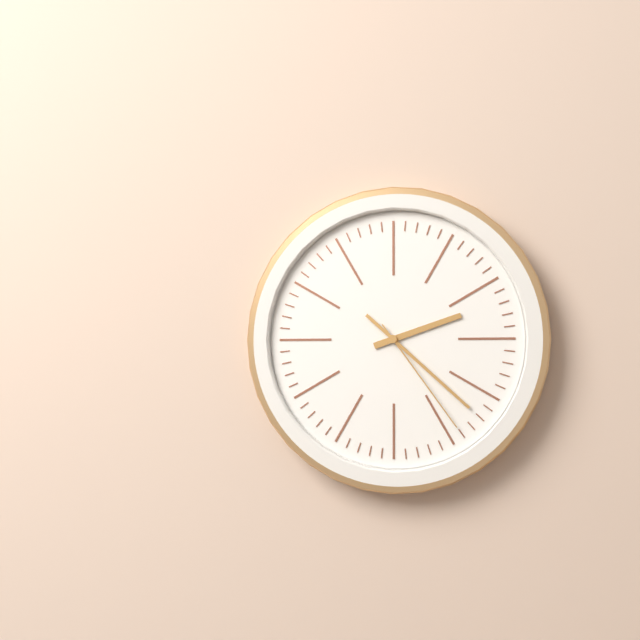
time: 2:22:24
